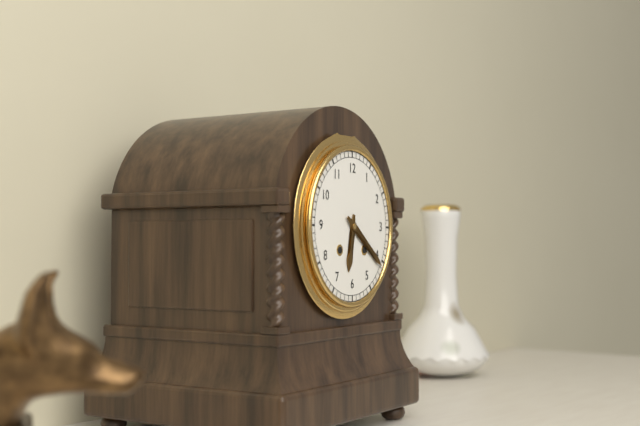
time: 6:21
